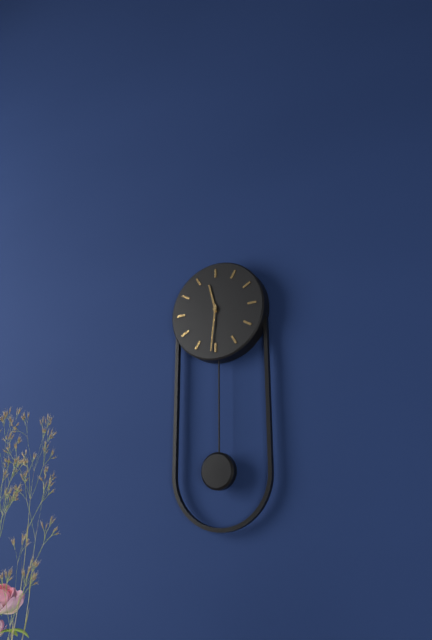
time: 11:31
